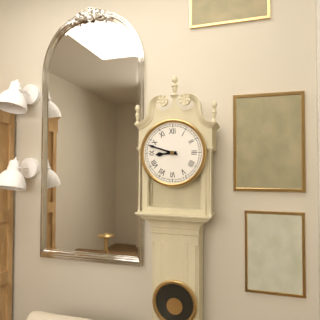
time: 8:48
